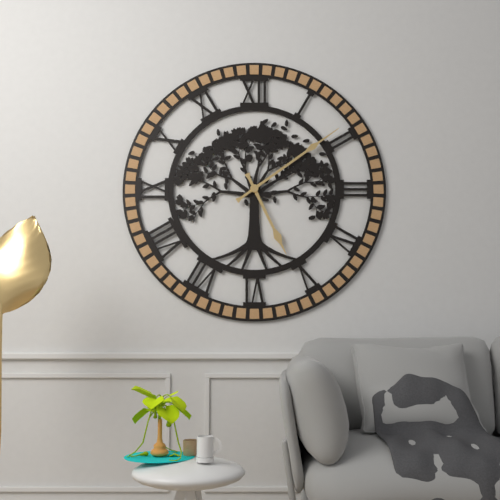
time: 5:09
